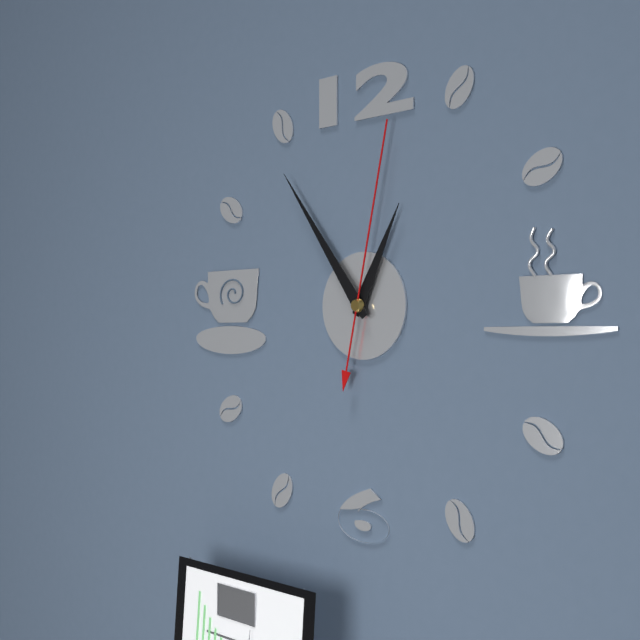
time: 12:54:02
